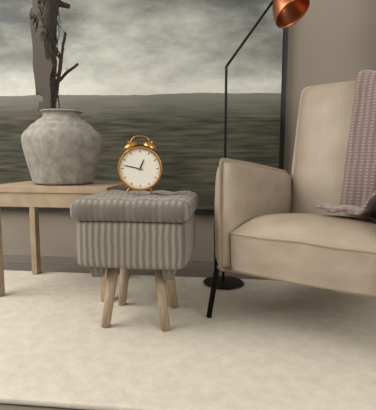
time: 12:47
